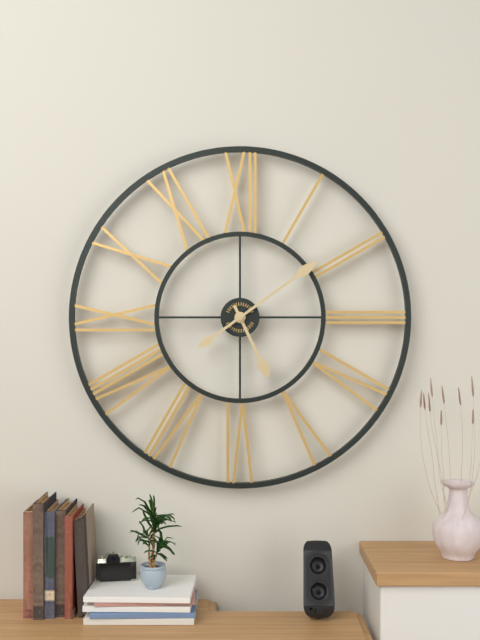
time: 5:09
